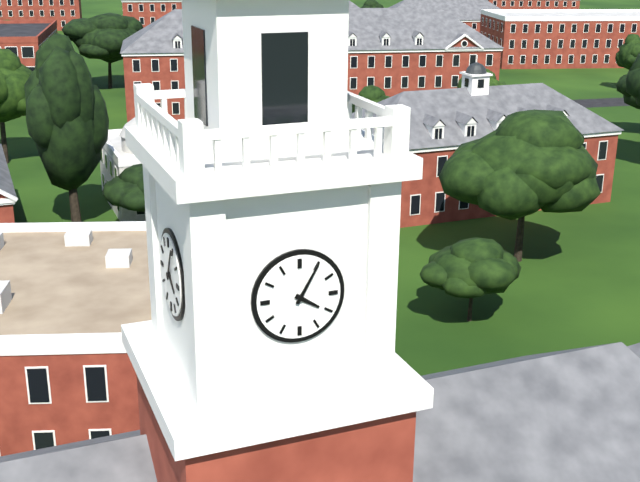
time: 4:05
